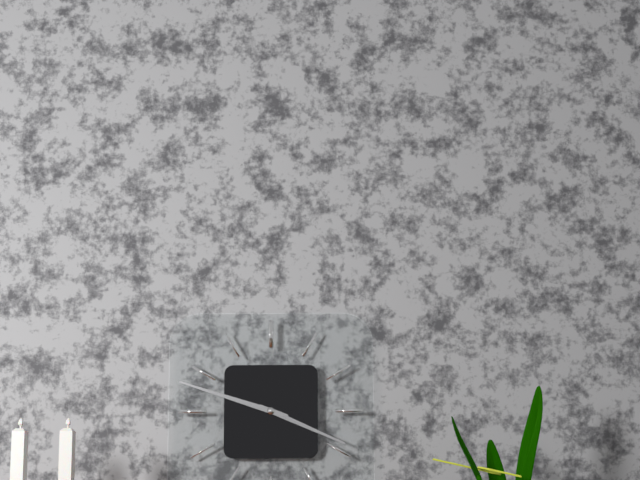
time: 3:48
